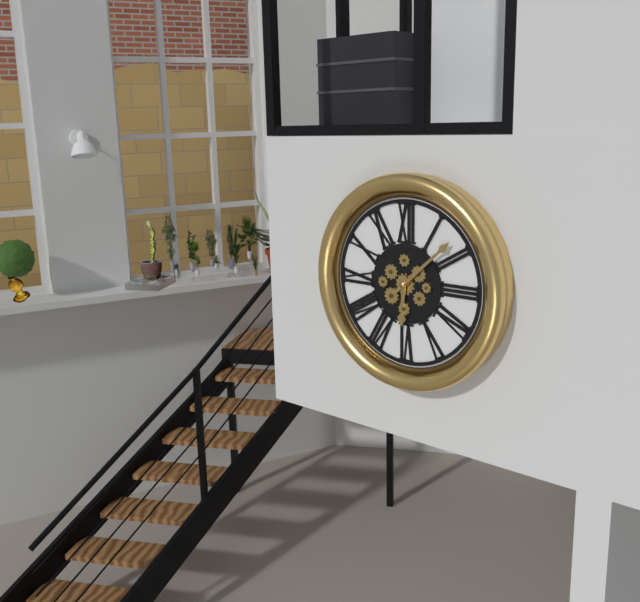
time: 6:08
